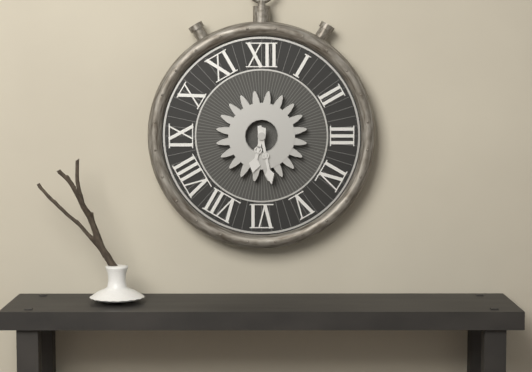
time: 6:28
